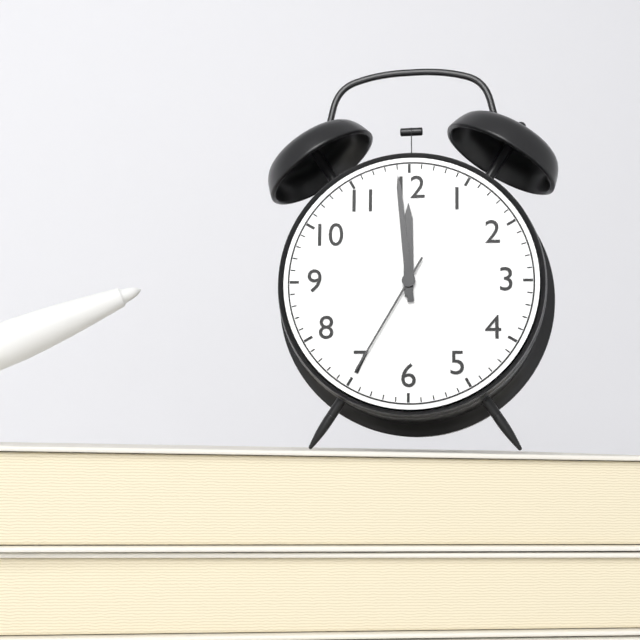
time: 11:59:35
